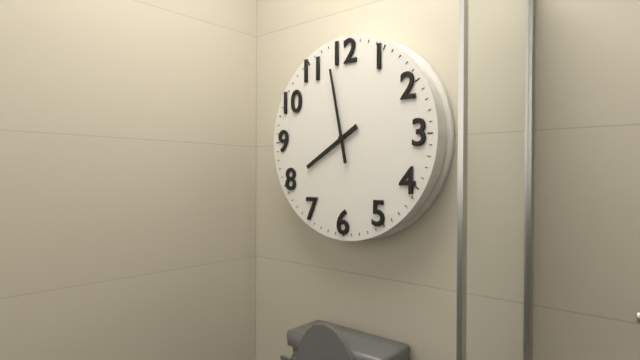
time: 7:58
